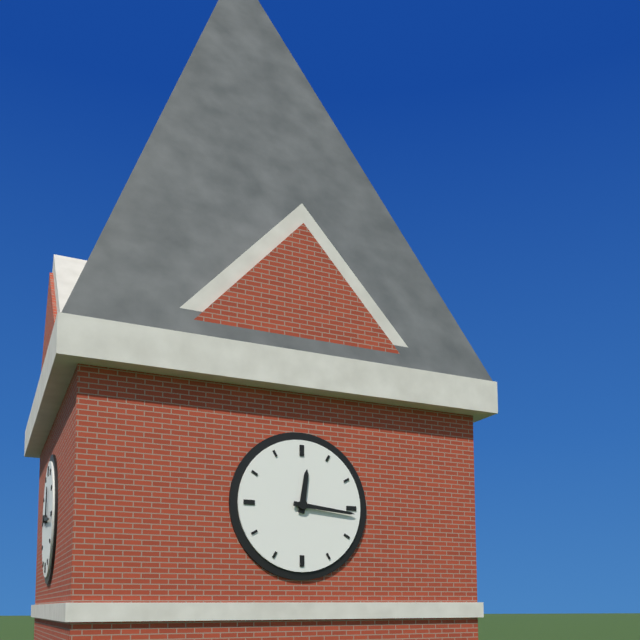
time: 12:16
